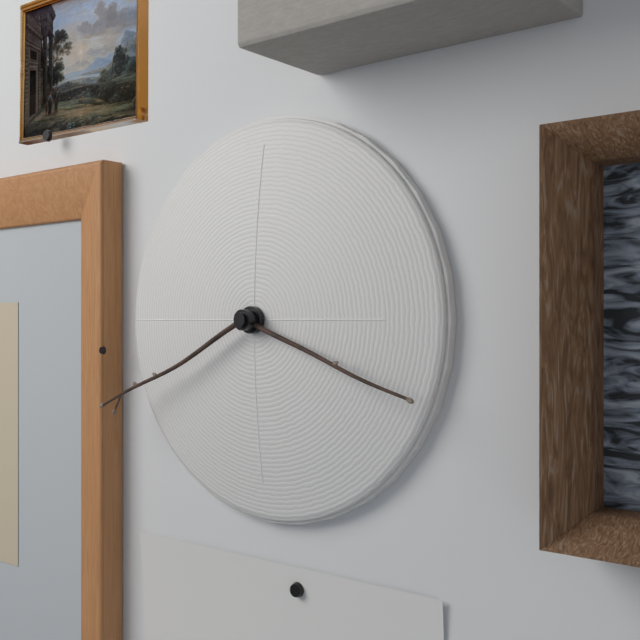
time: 3:41
